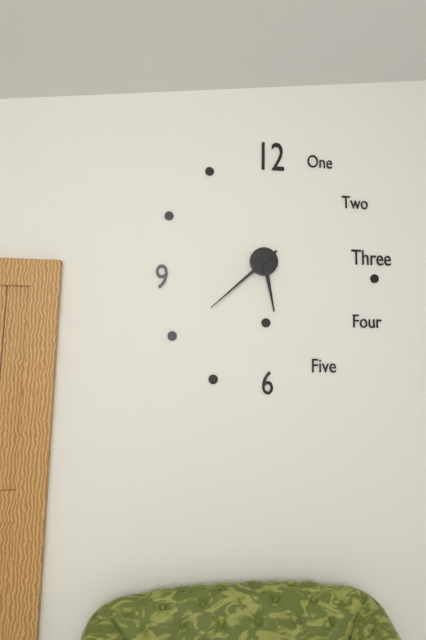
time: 5:38
